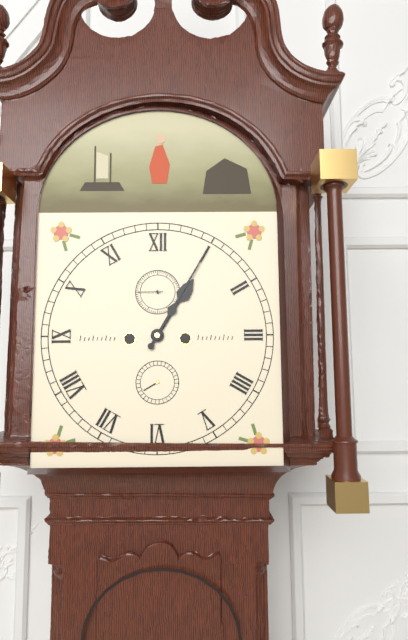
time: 1:05
